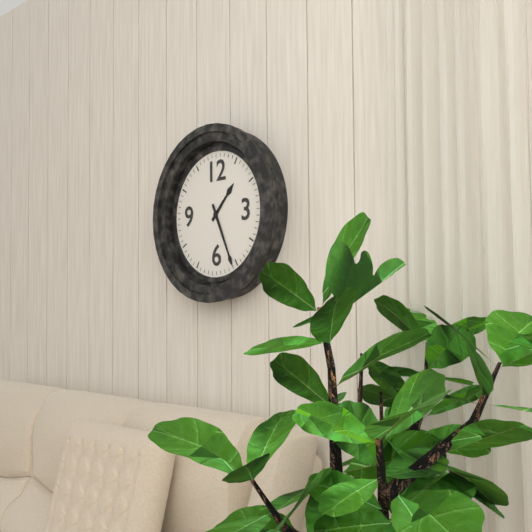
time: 1:26
